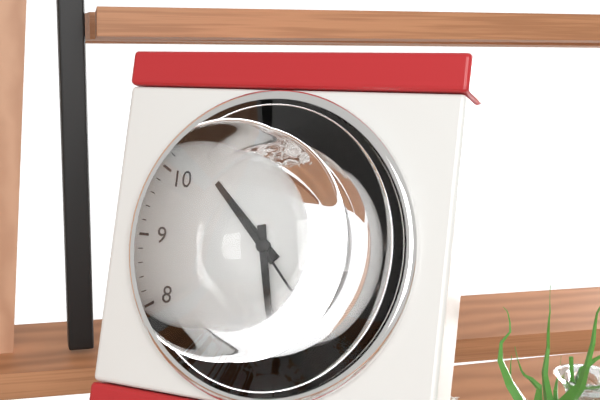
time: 10:28:23
